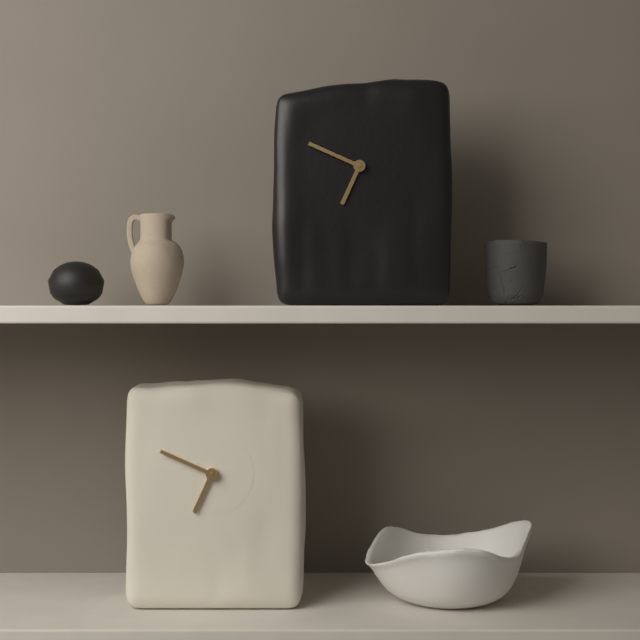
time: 6:49
